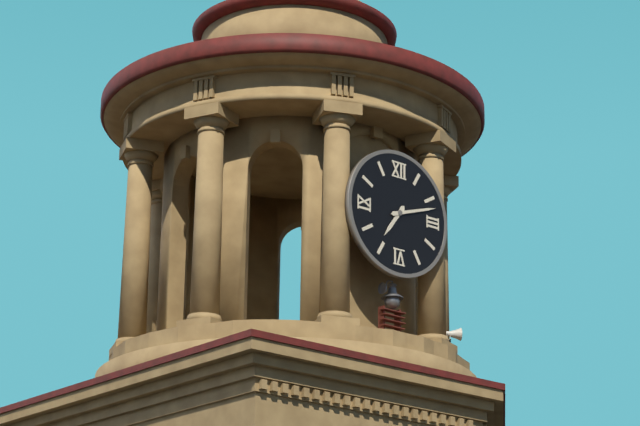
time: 7:12
